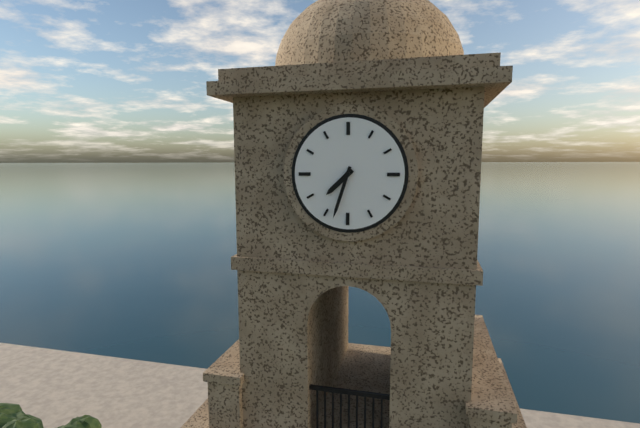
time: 7:33
